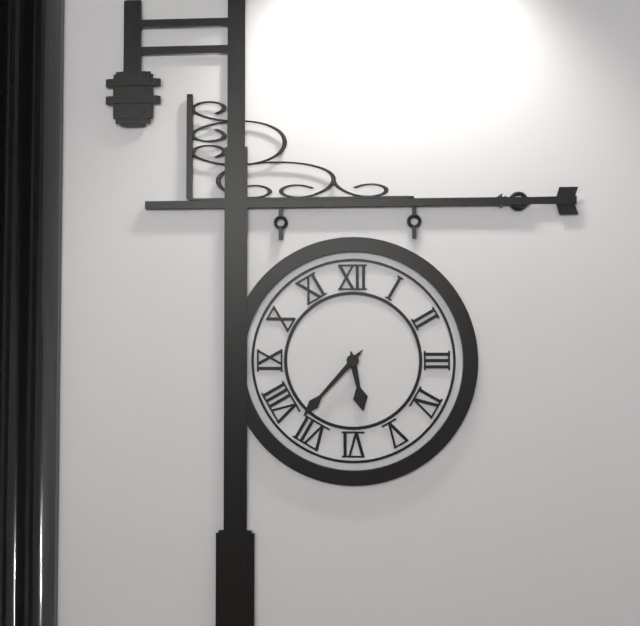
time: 5:37
